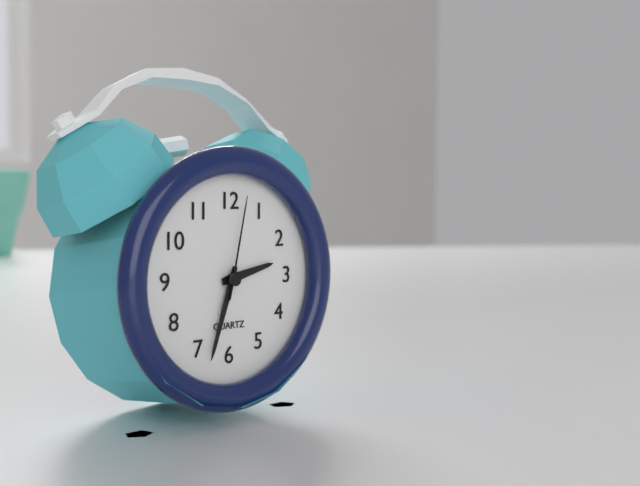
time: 2:33:02
